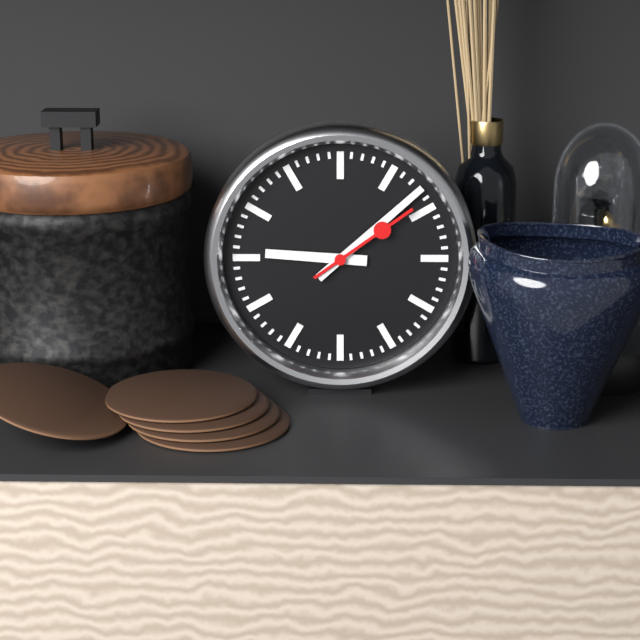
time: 9:08:09
